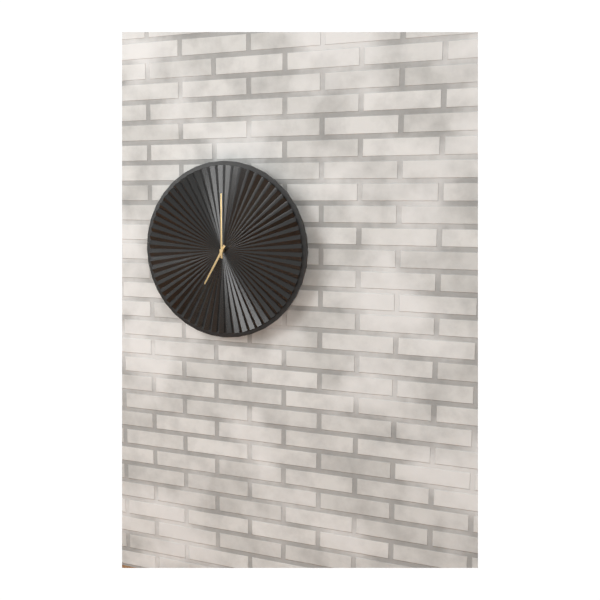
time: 7:00
